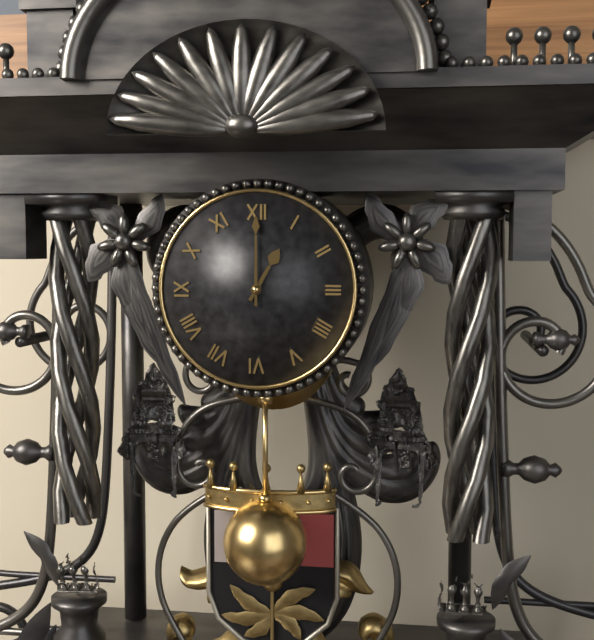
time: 1:00
